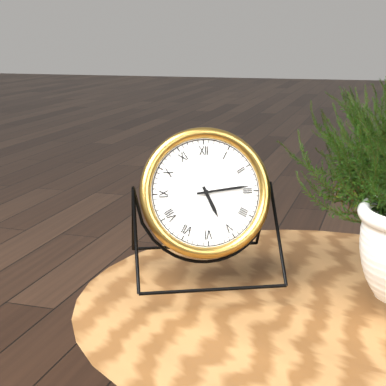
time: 5:14
